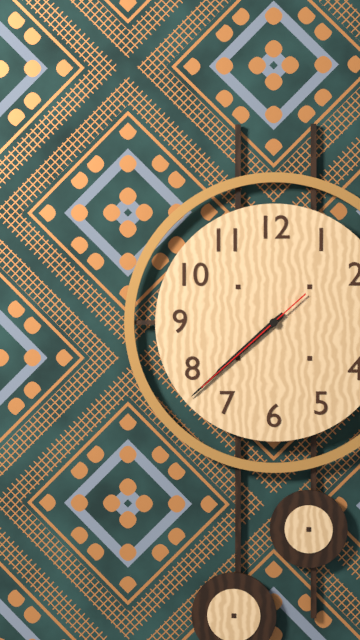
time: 7:38:38
